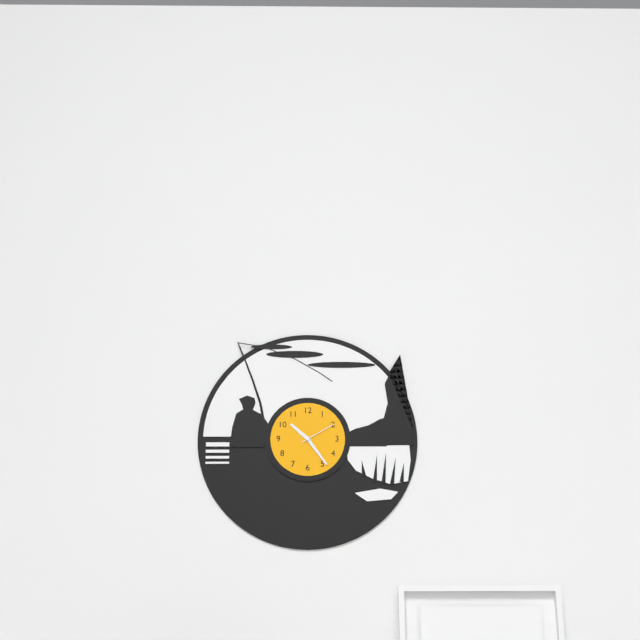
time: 10:24
